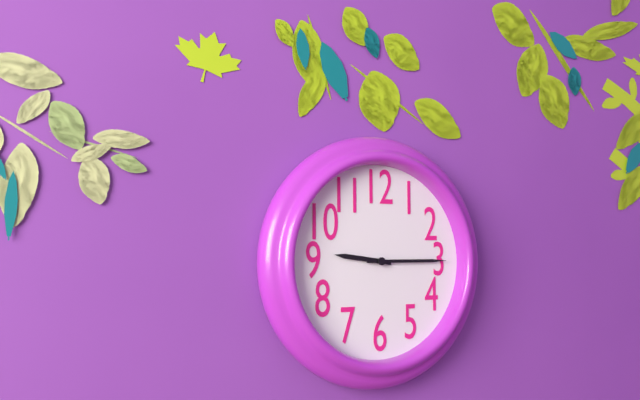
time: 9:15
